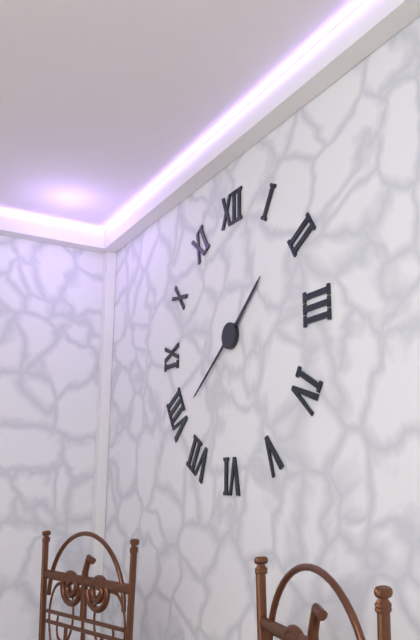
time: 1:39
